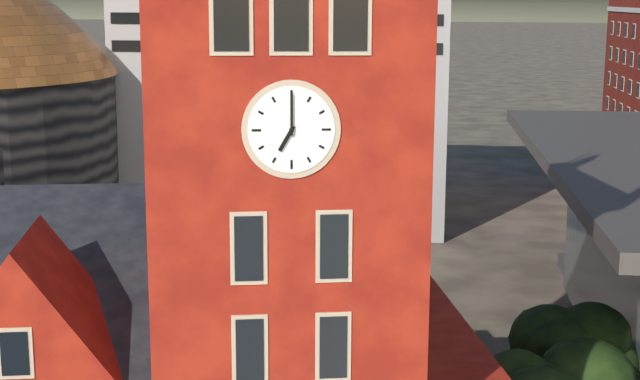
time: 7:00
